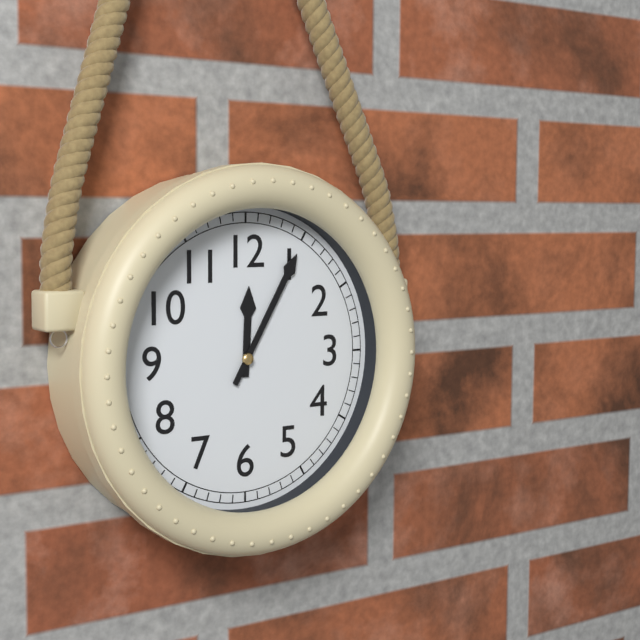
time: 12:05
